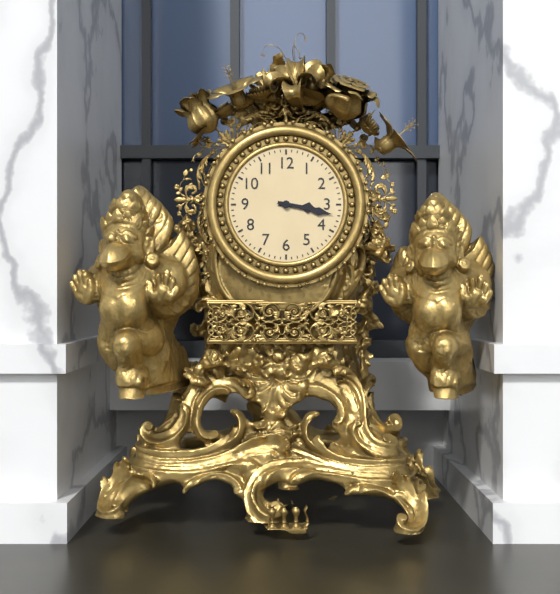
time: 3:17
